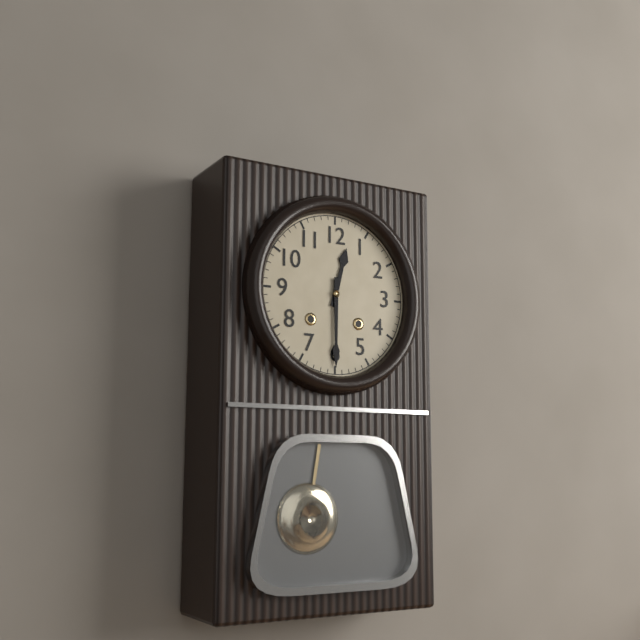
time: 12:30
